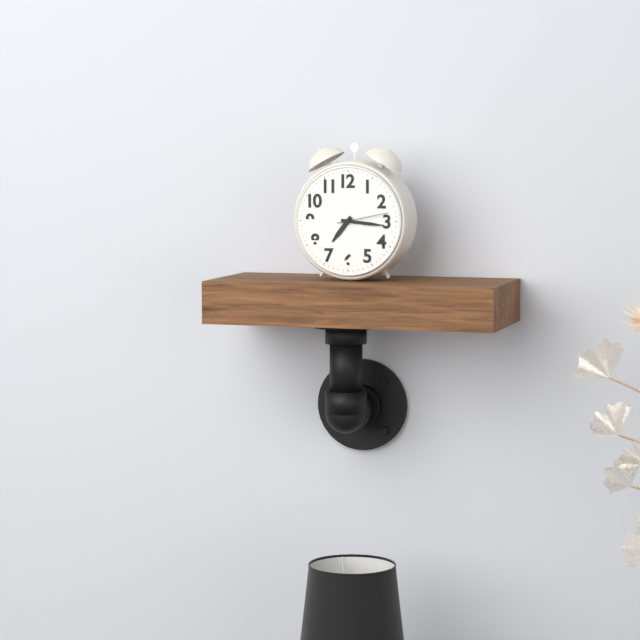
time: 7:16:13
